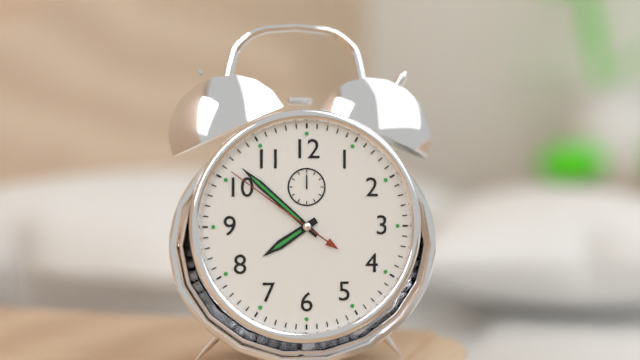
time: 7:52:51
